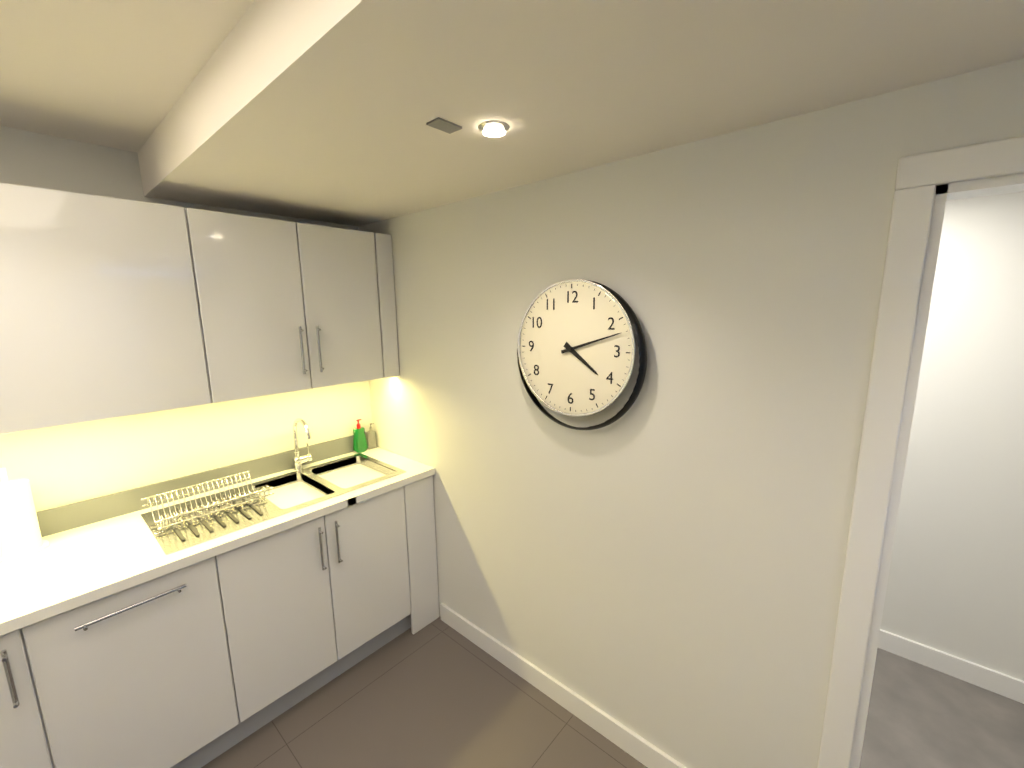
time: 4:12
